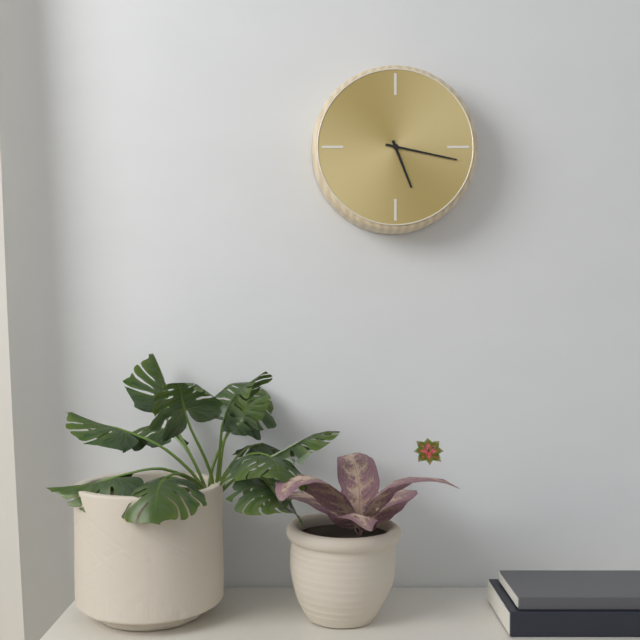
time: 5:17
